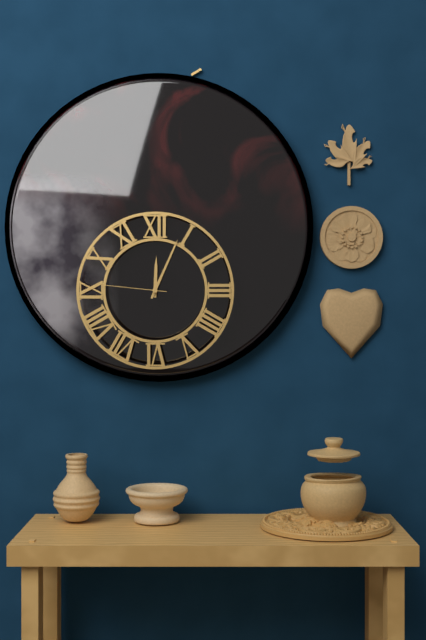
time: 12:04:46
